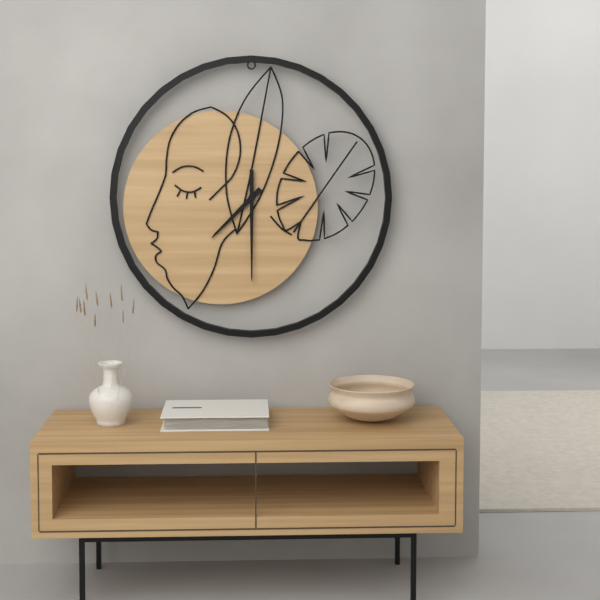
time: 7:30
